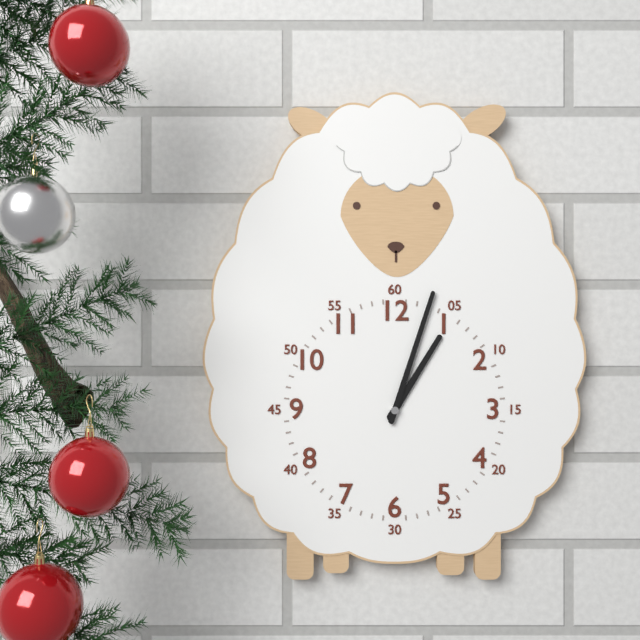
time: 1:03
